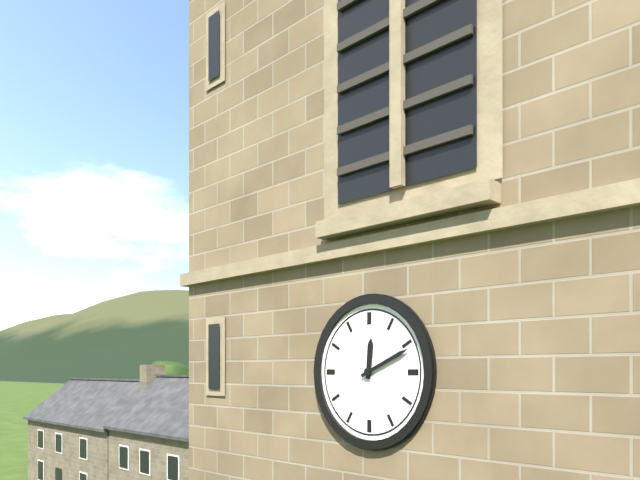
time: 12:11
